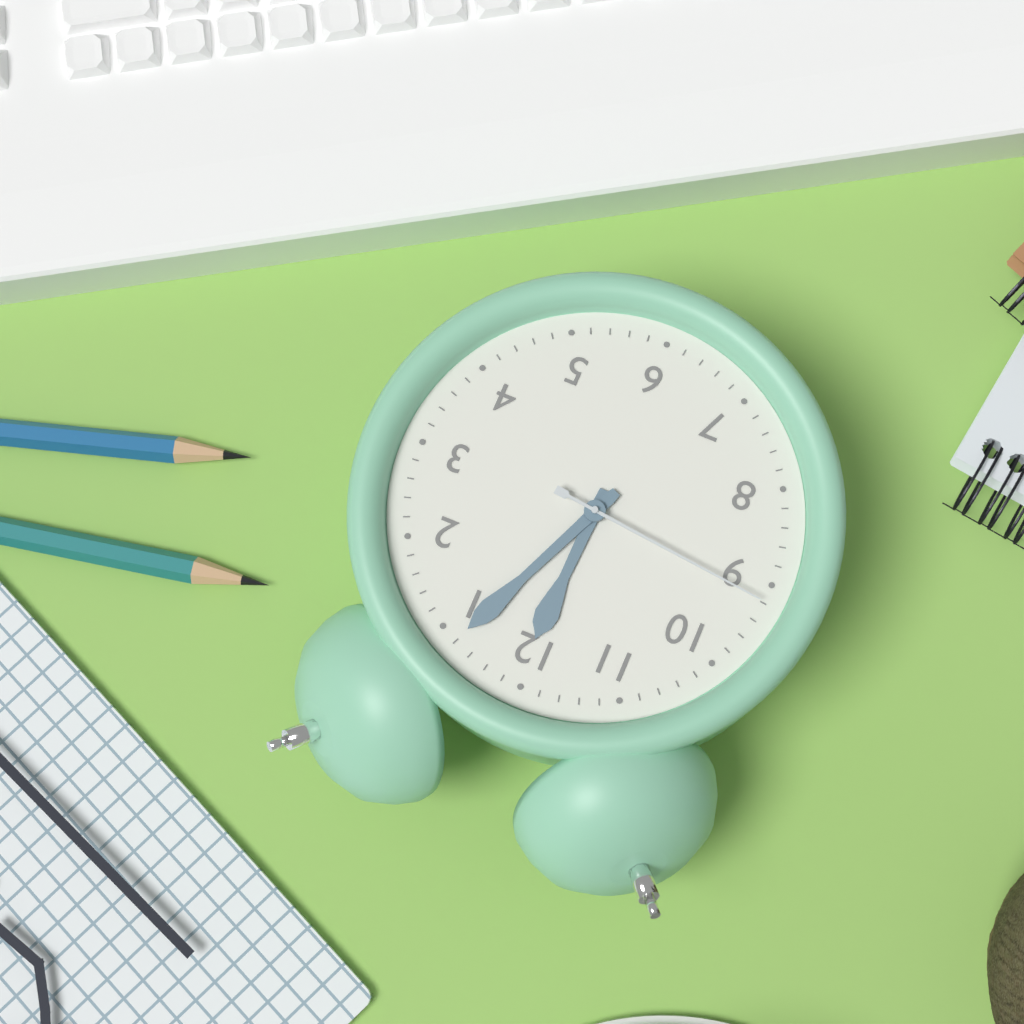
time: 12:04:46
